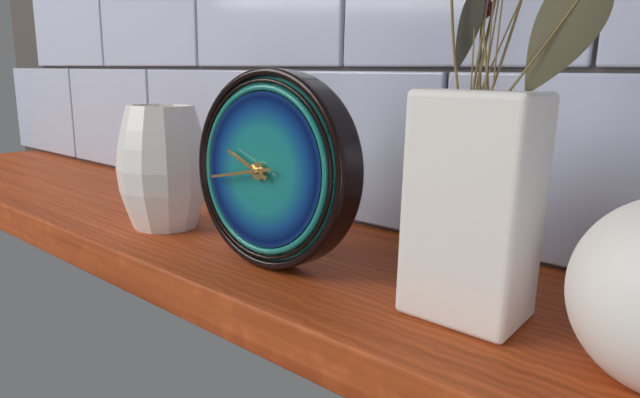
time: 9:43
